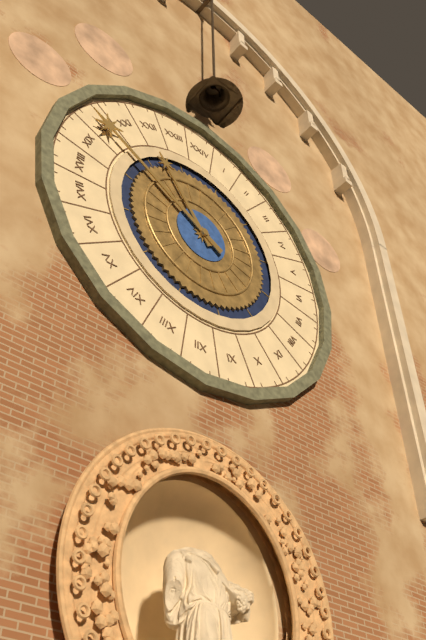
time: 10:50
